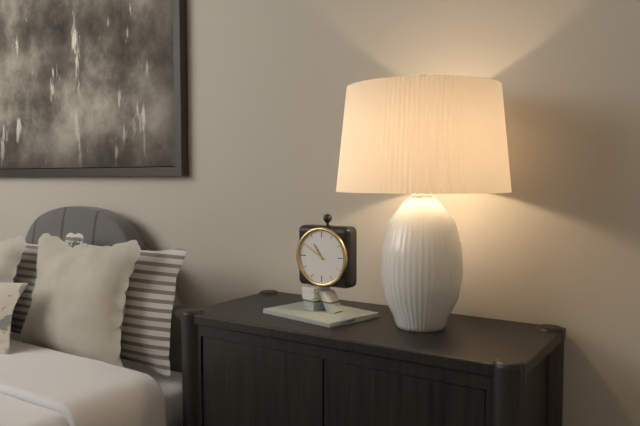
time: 10:50
